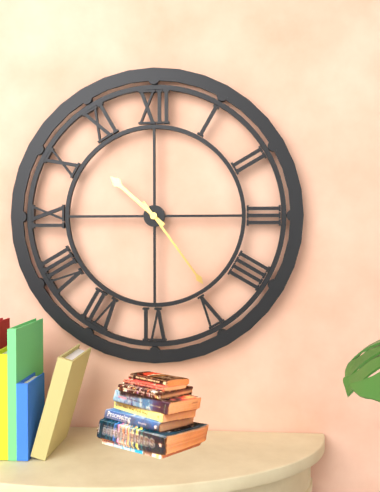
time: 10:24
